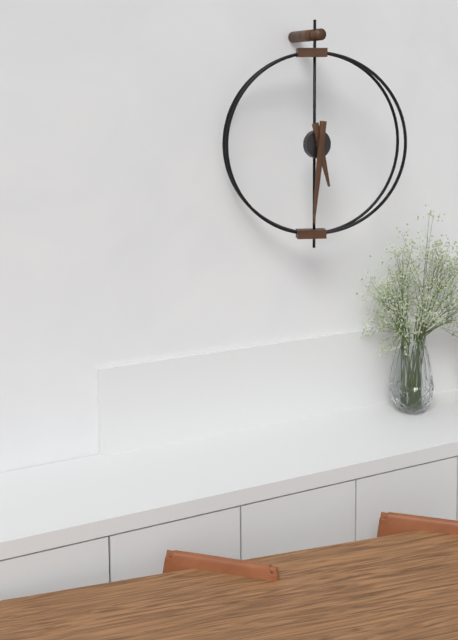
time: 5:31
